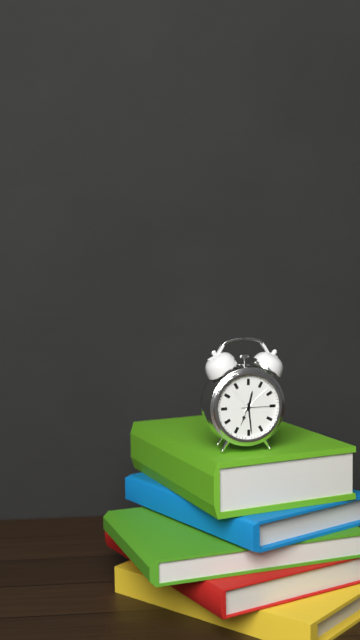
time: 12:29
